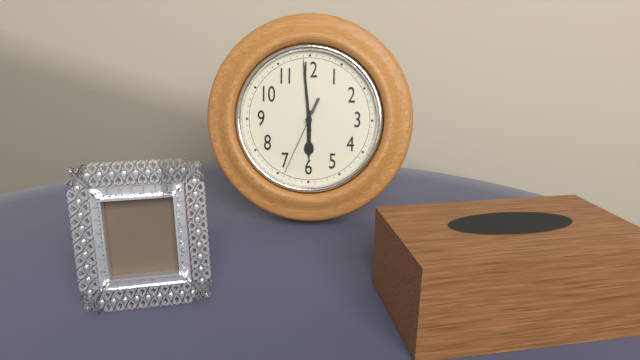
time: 5:59:34
